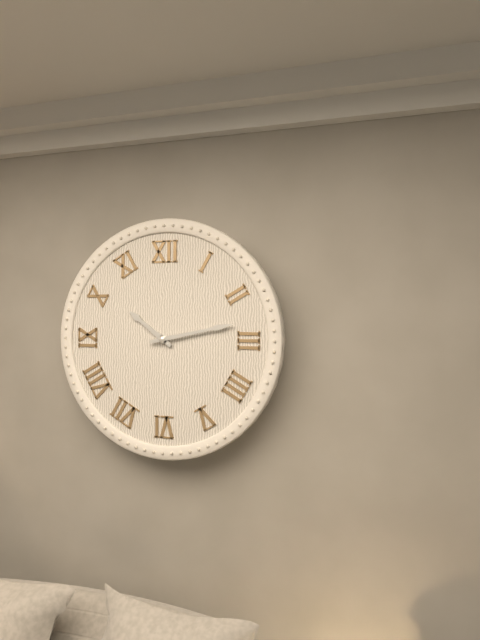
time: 10:13
